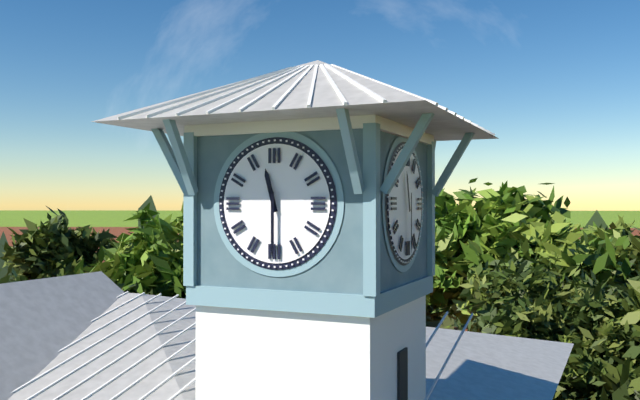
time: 11:30
